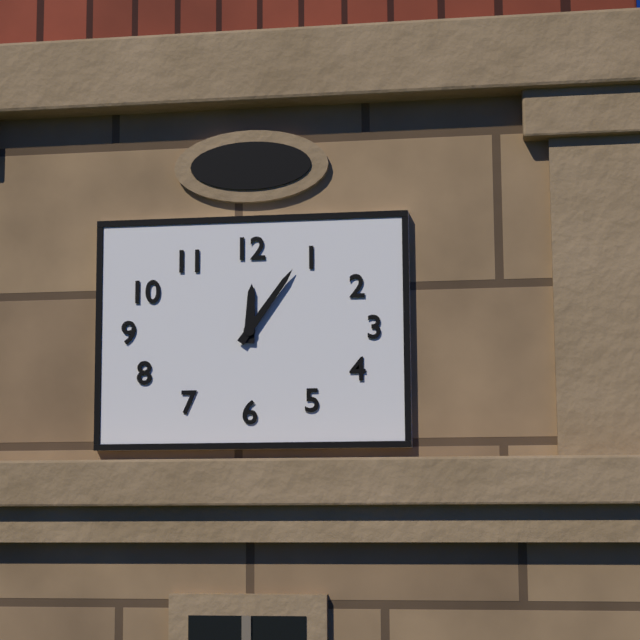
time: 12:06
